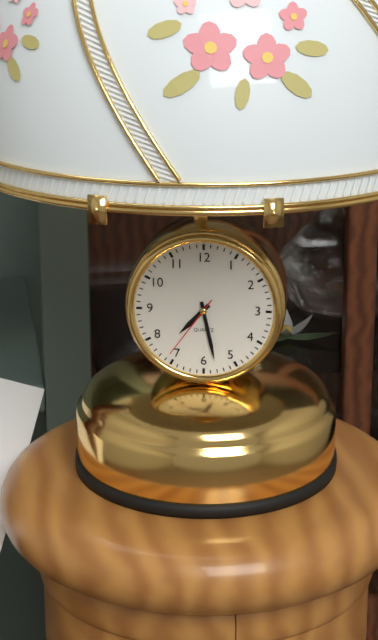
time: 7:28:36
